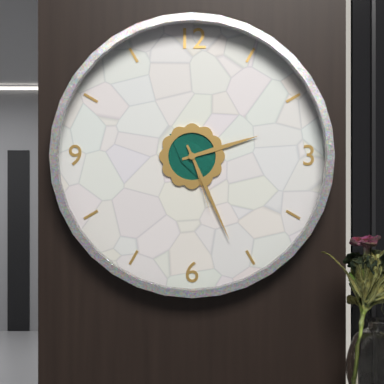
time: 2:26:27
